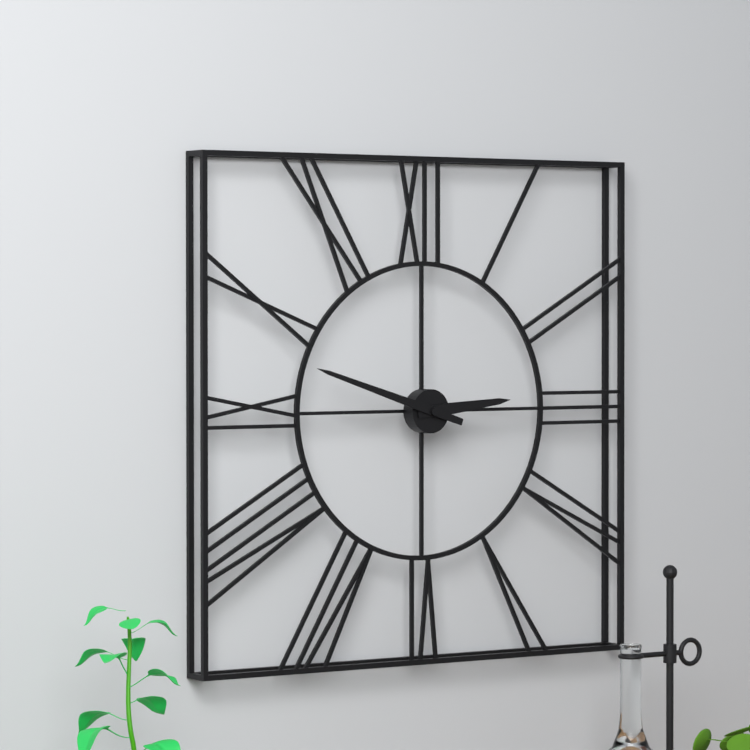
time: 2:48
